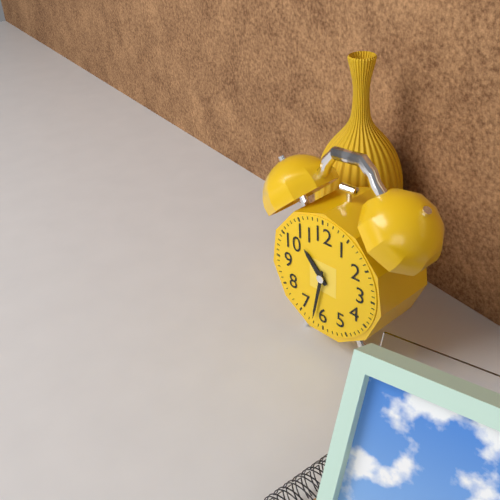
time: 10:32
